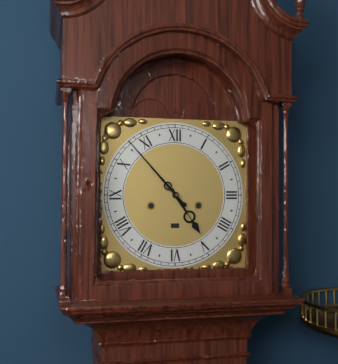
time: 4:53
